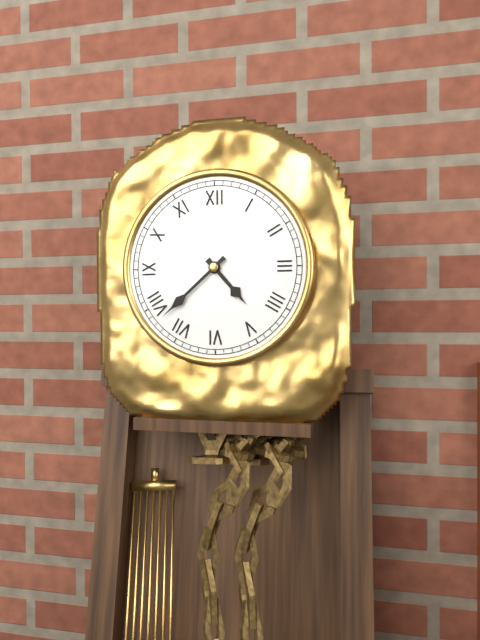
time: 4:38
